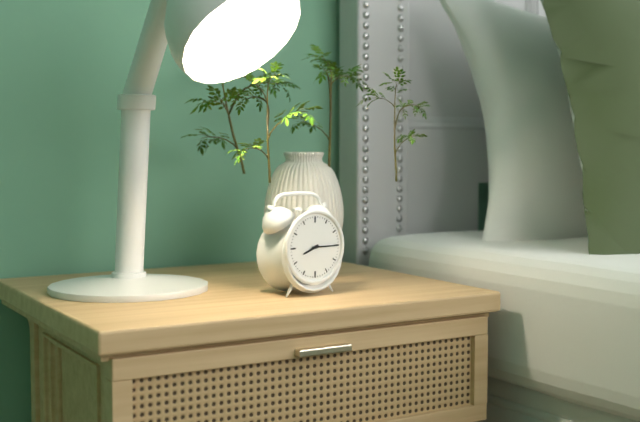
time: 8:15
